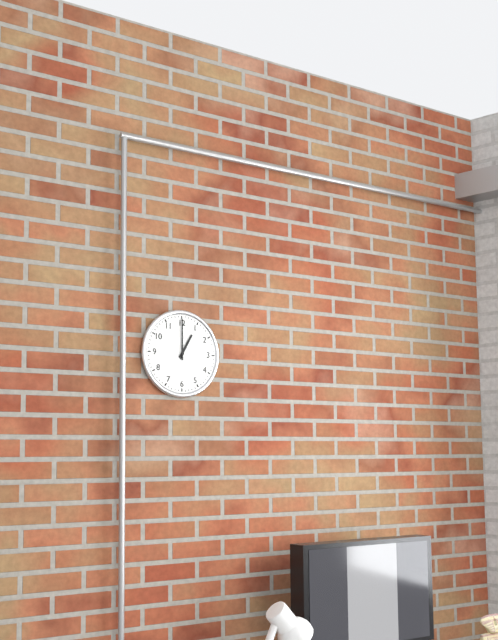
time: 1:00
